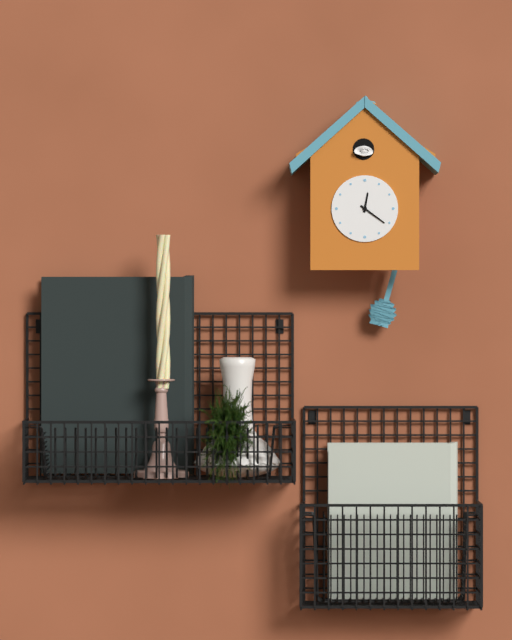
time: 12:21
